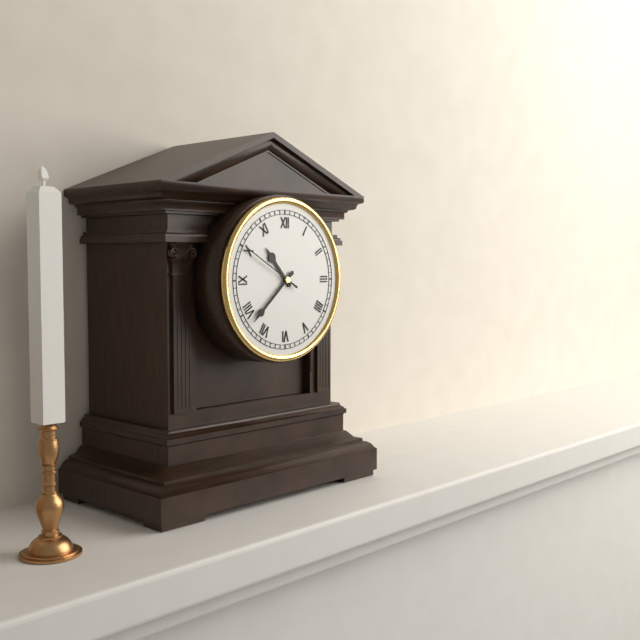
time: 10:38:50
